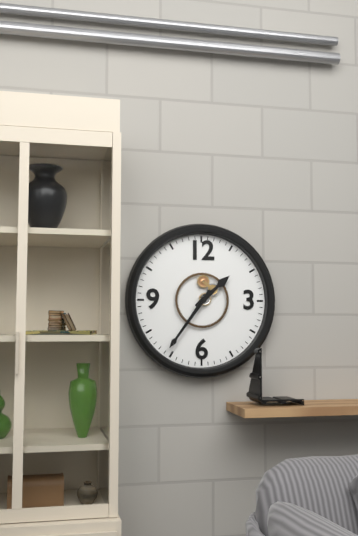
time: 1:36
